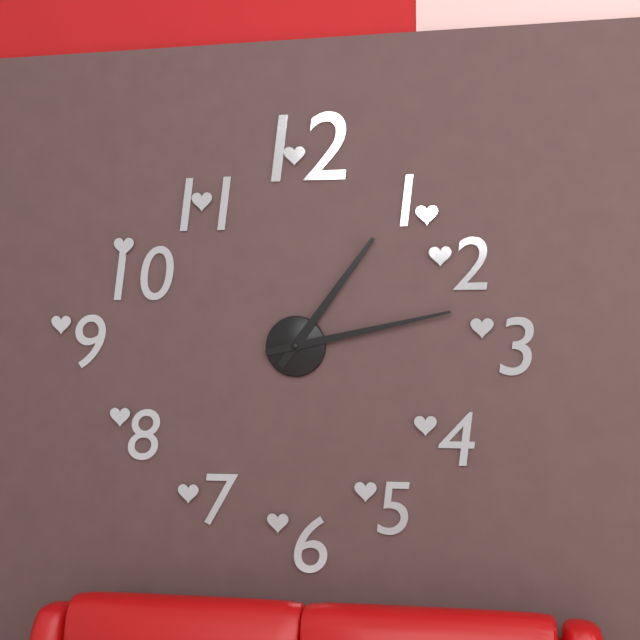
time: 1:13
